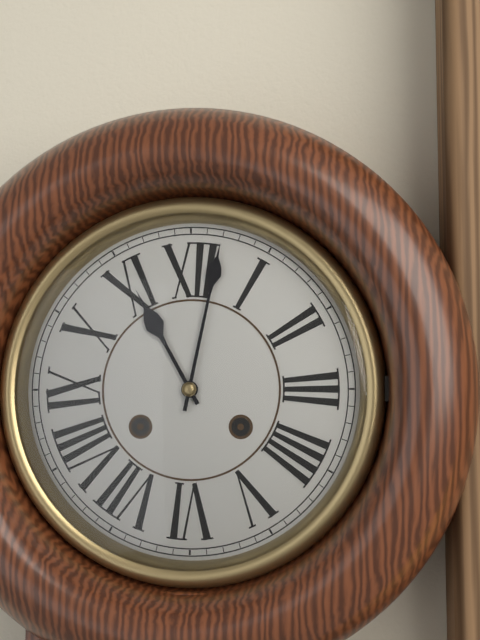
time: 11:02
